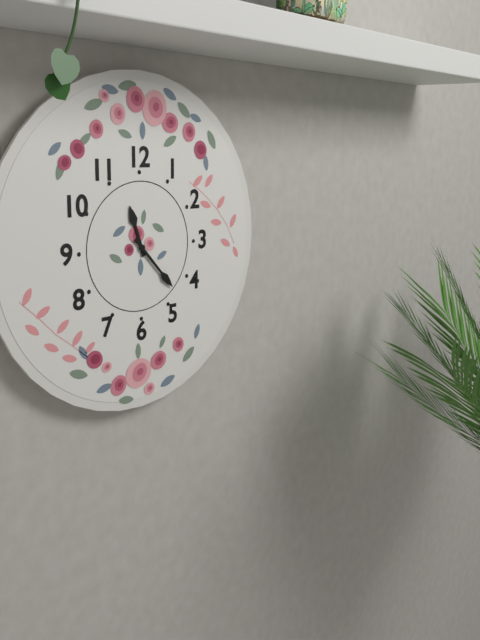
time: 11:23
